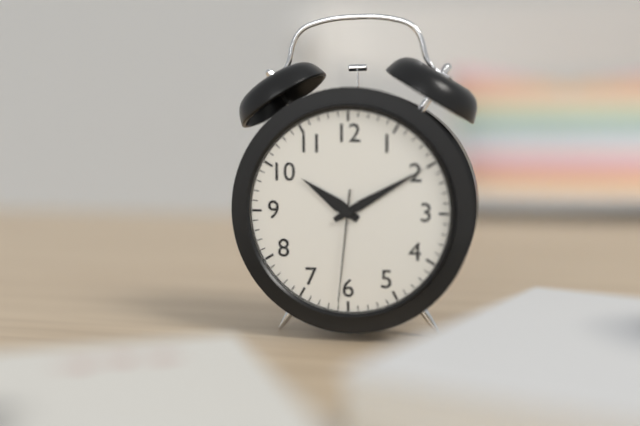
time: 10:10:31
